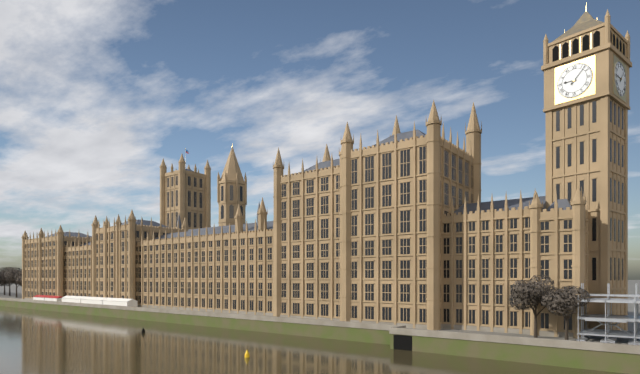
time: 9:07
